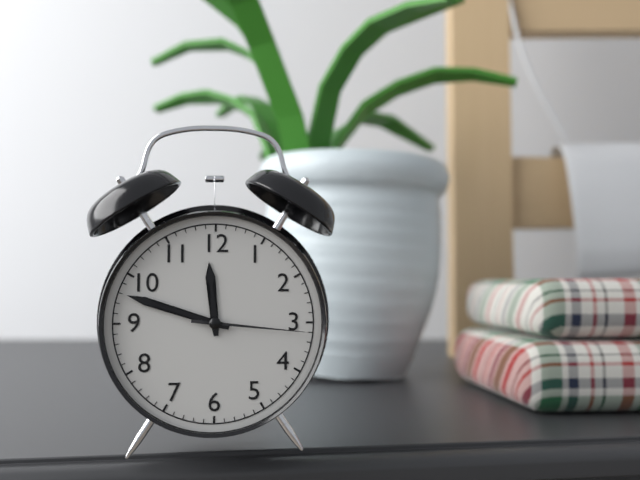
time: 11:48:16
